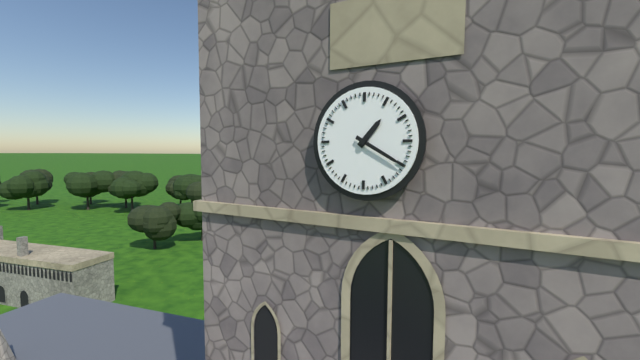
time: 1:20
